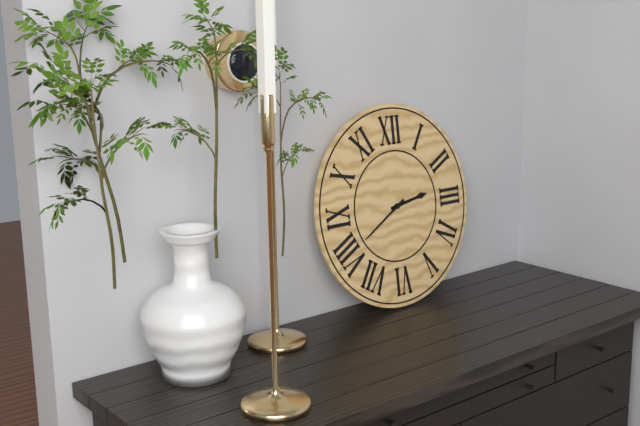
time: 2:40
